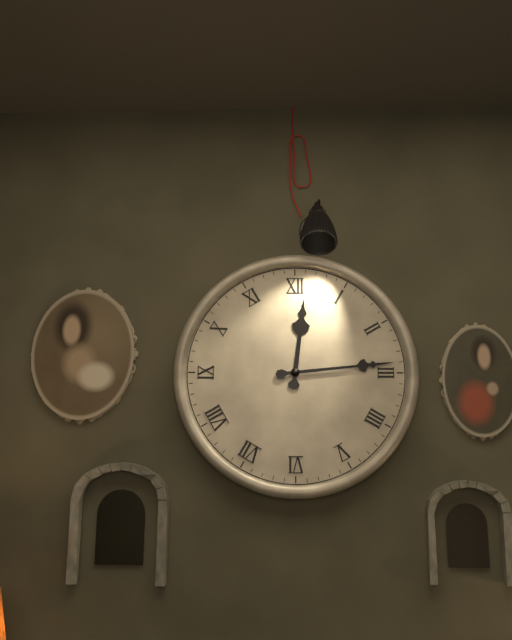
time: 12:14
